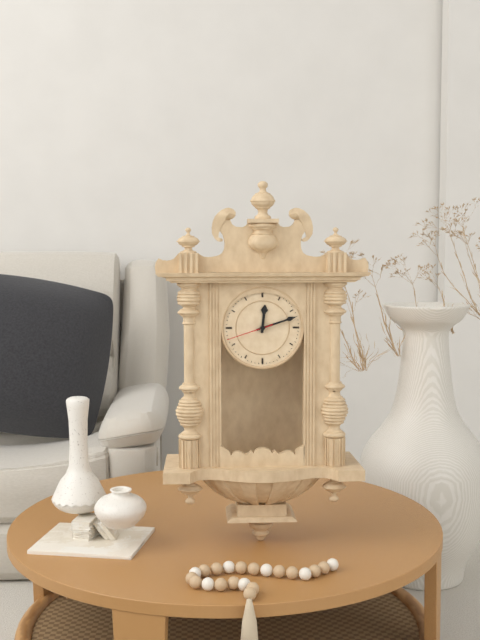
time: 12:12
